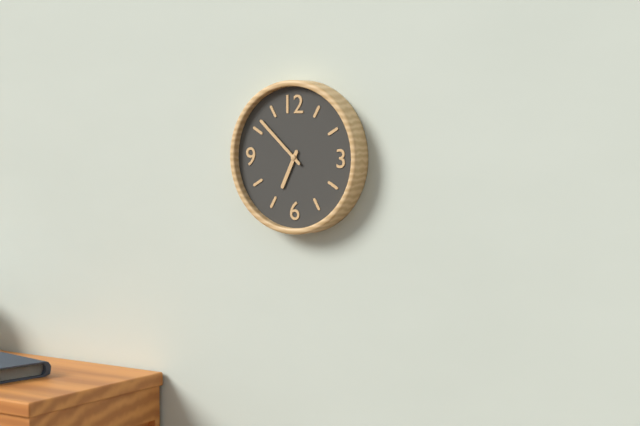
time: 6:52
